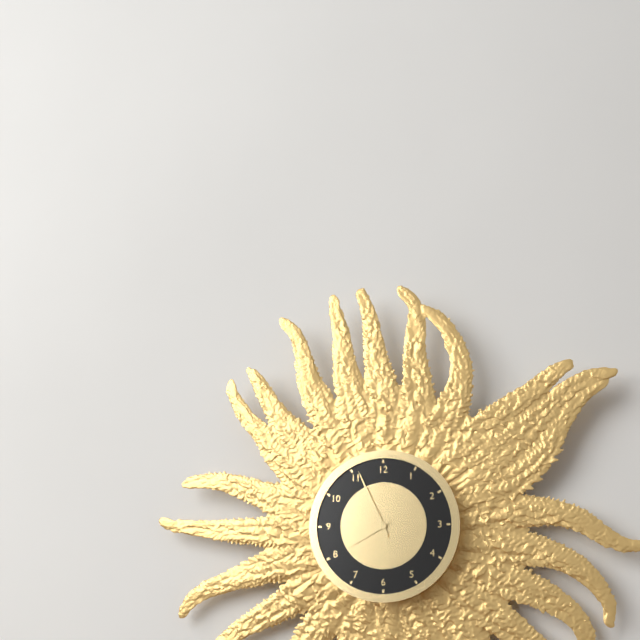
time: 7:56
